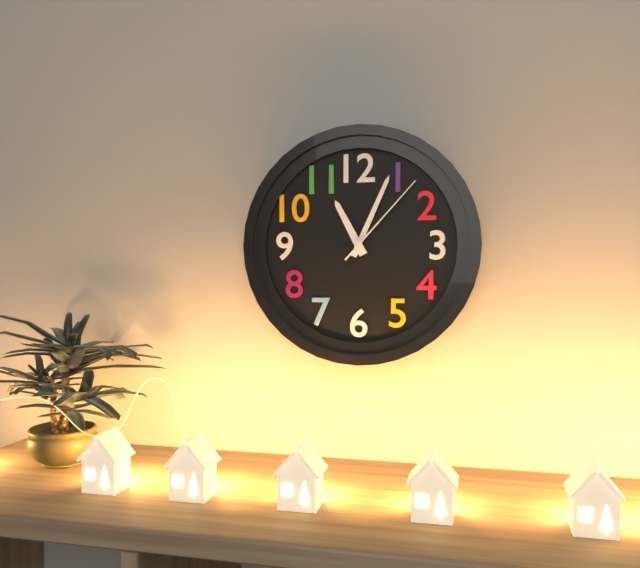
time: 11:04:07
